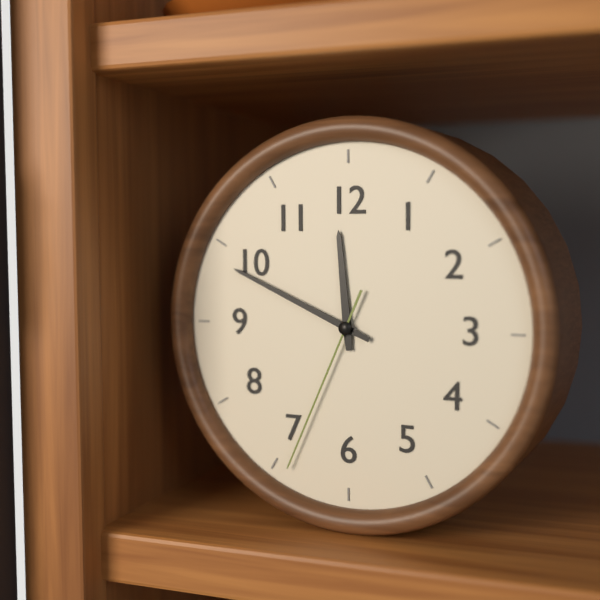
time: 11:49:34
